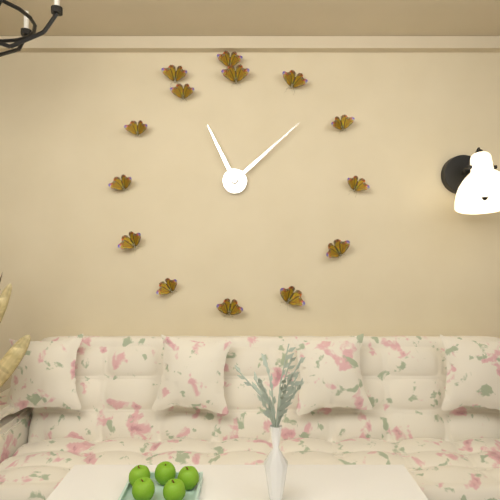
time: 11:08
